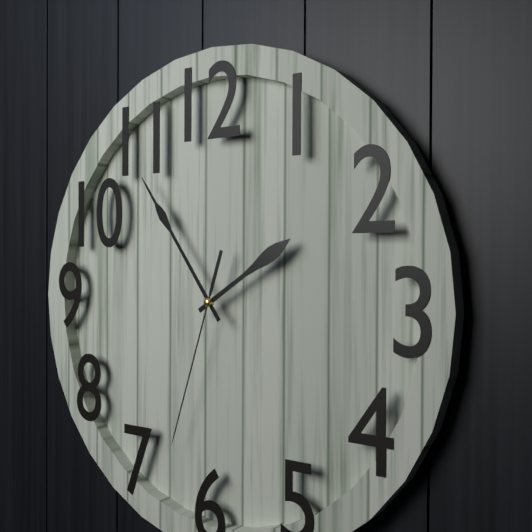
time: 1:54:33
